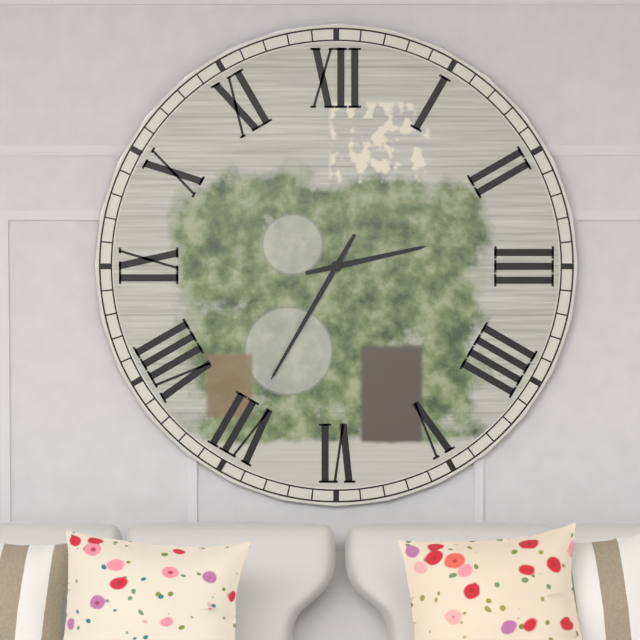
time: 2:35
